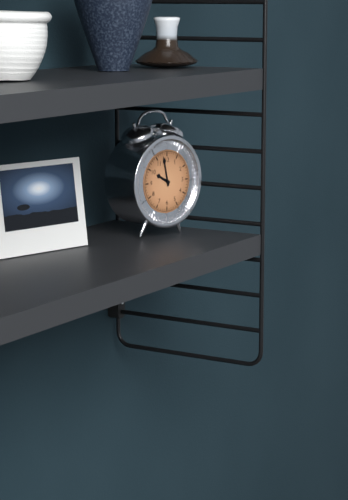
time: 9:58
